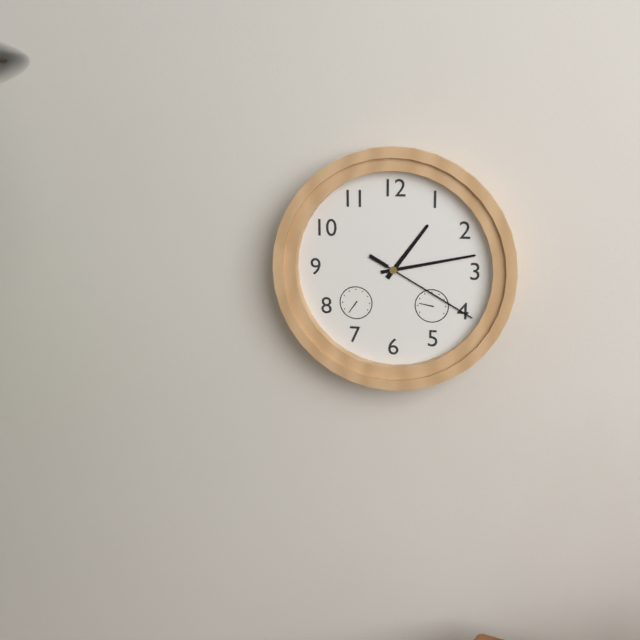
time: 1:13:20
